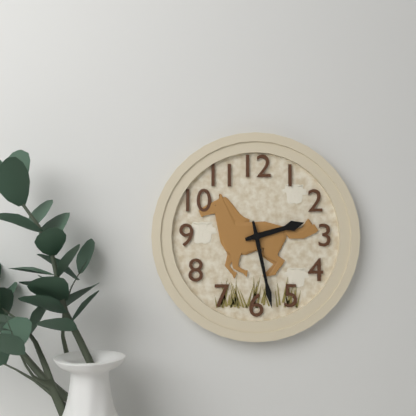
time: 2:28
